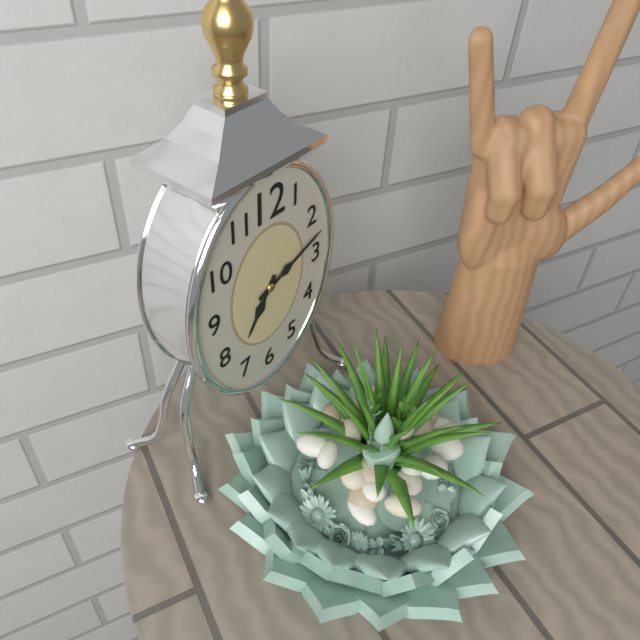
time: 7:12
